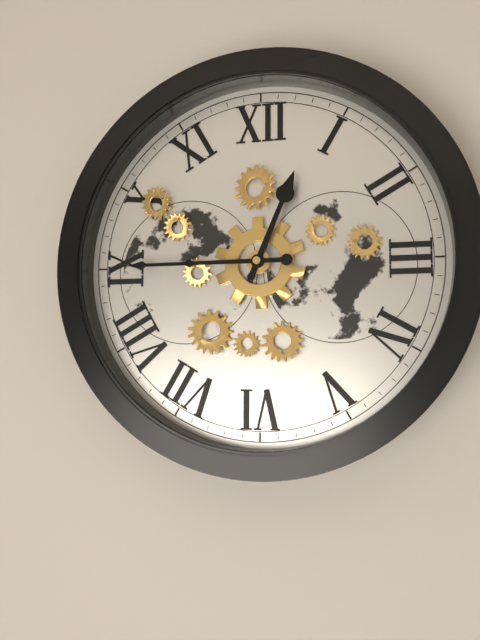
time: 12:45
